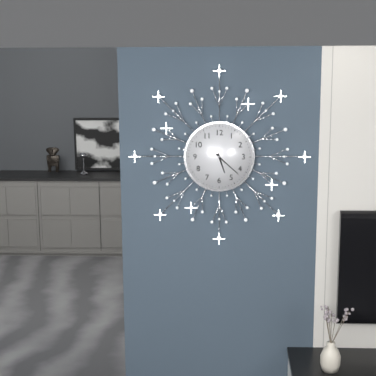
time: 5:22
